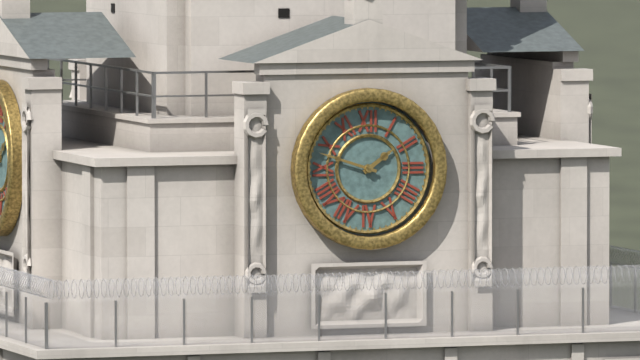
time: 1:48
